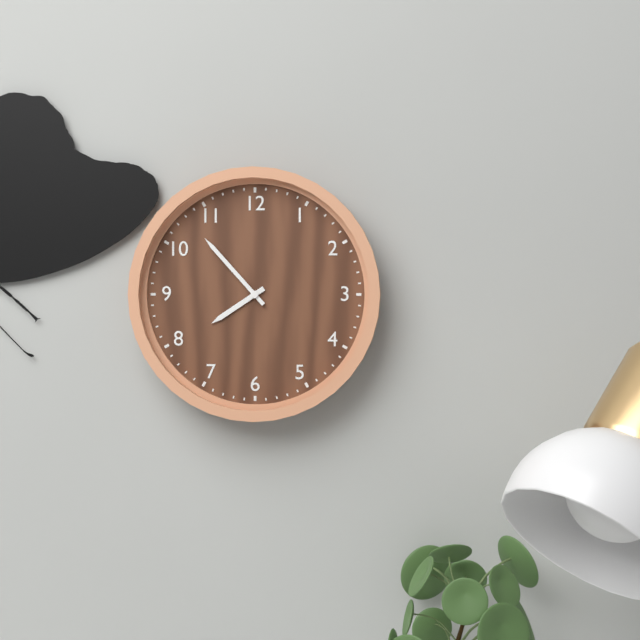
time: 7:53
